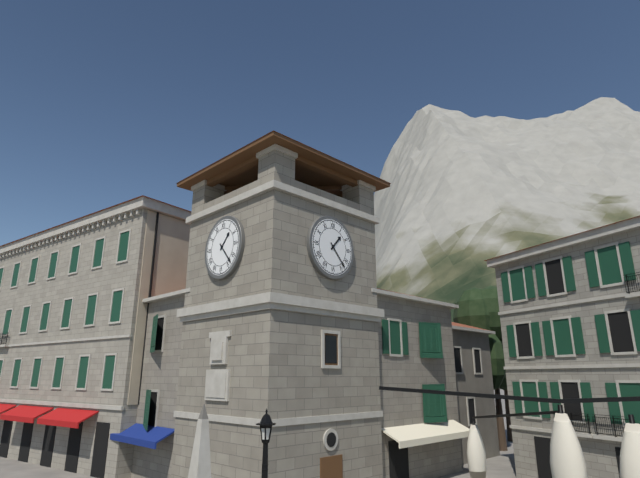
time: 1:23
